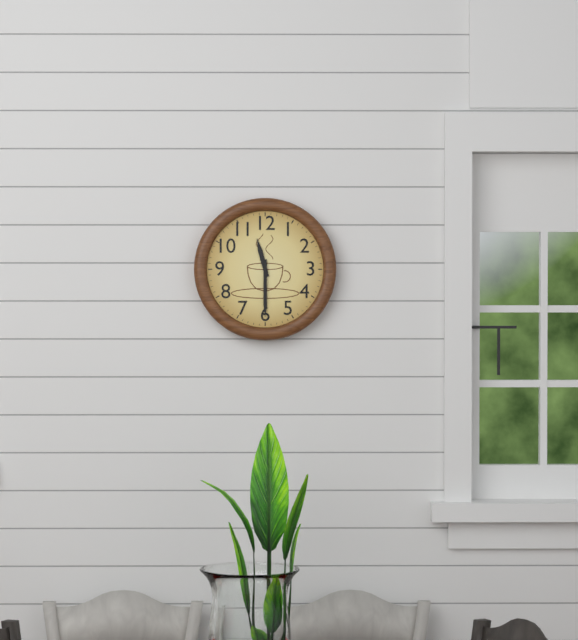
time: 11:30
